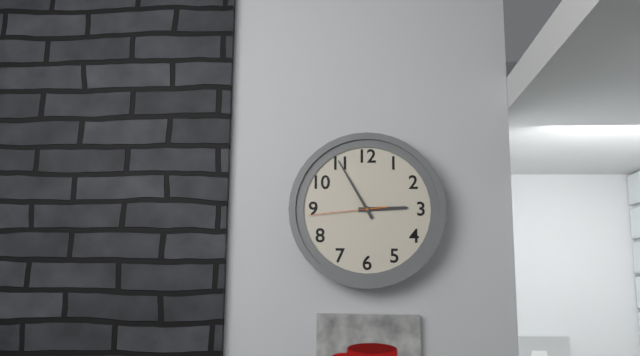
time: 2:55:44
